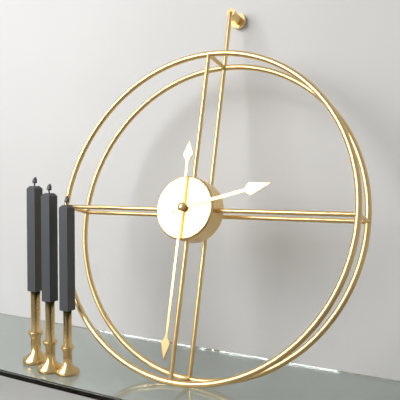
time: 2:30
